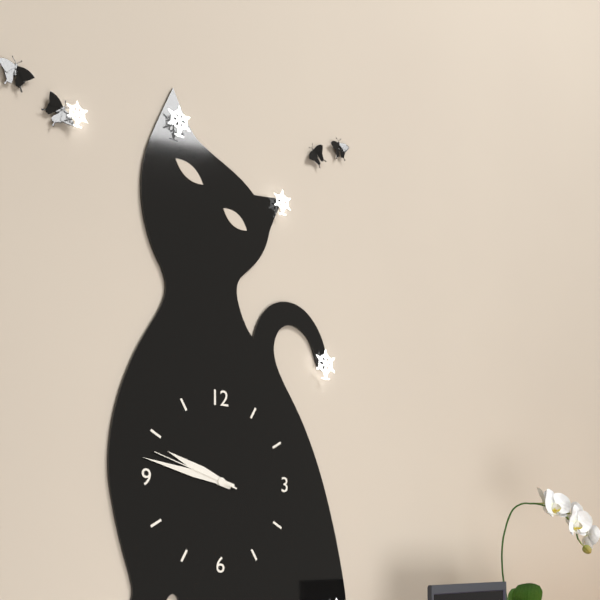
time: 9:47:48
